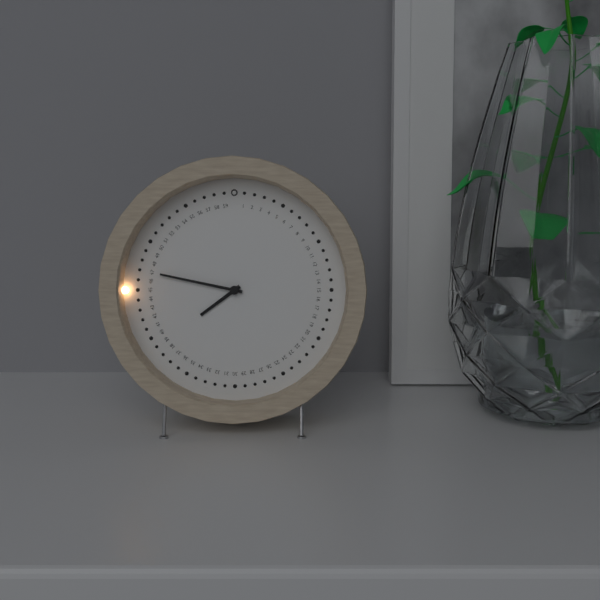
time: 7:47
